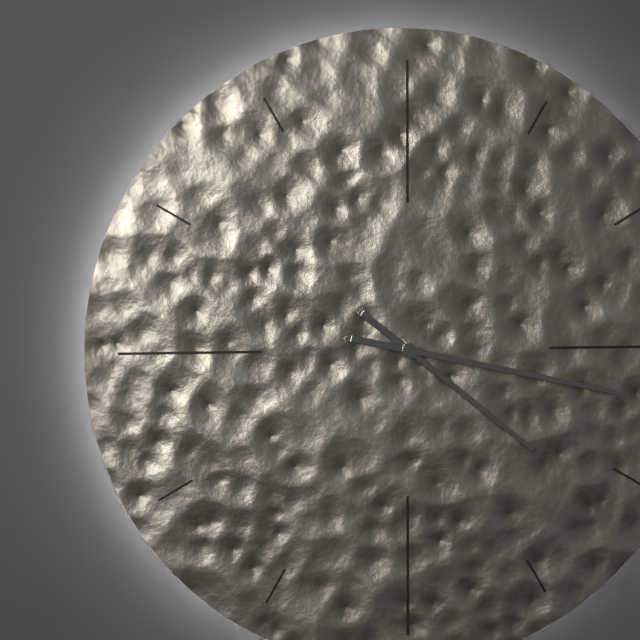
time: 4:17
